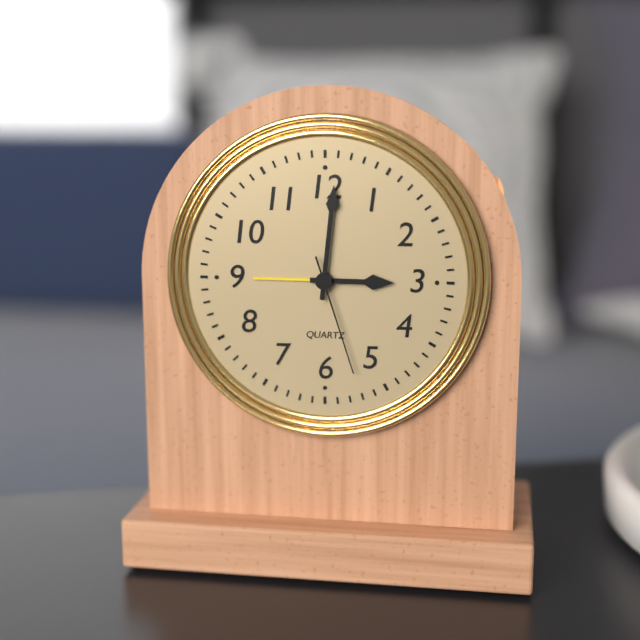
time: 3:01:27
